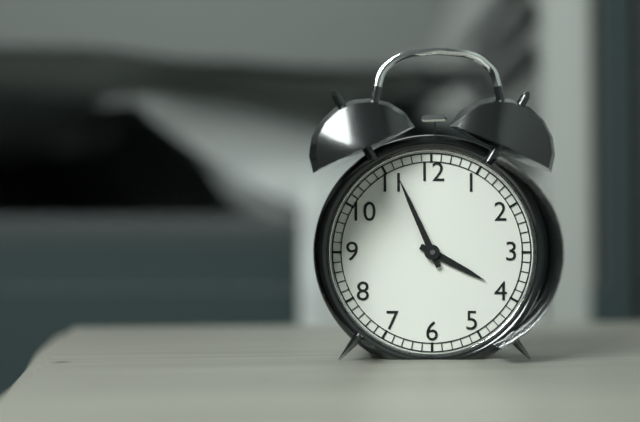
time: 3:56
